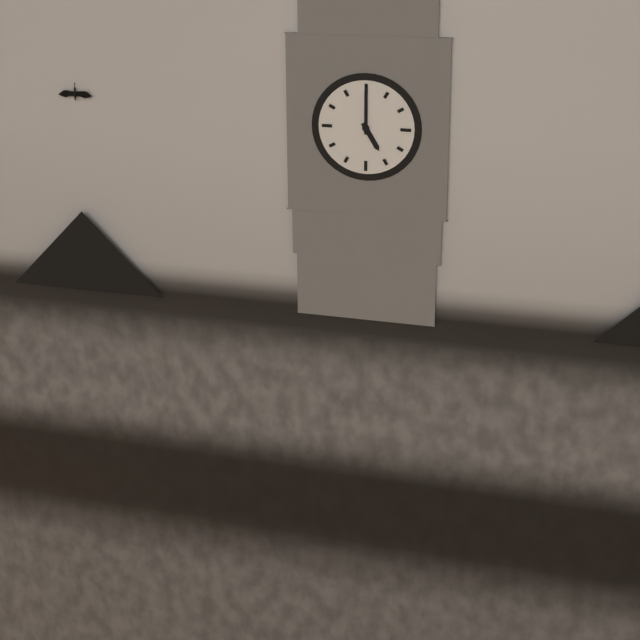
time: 5:00
